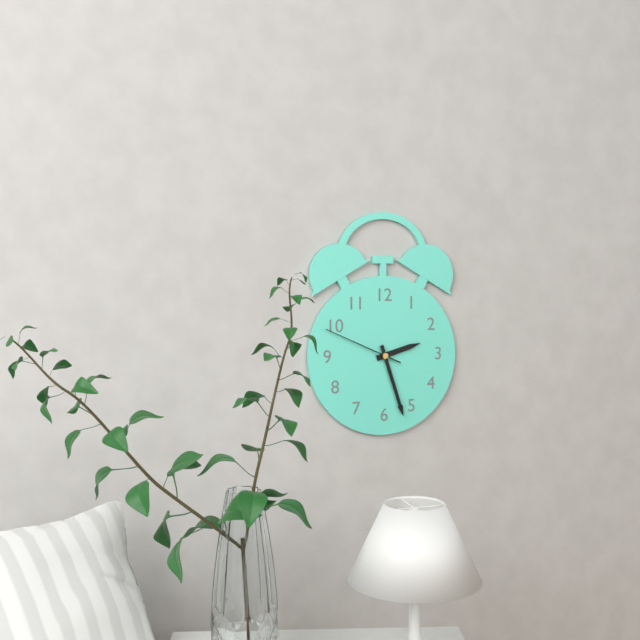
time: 2:27:49
